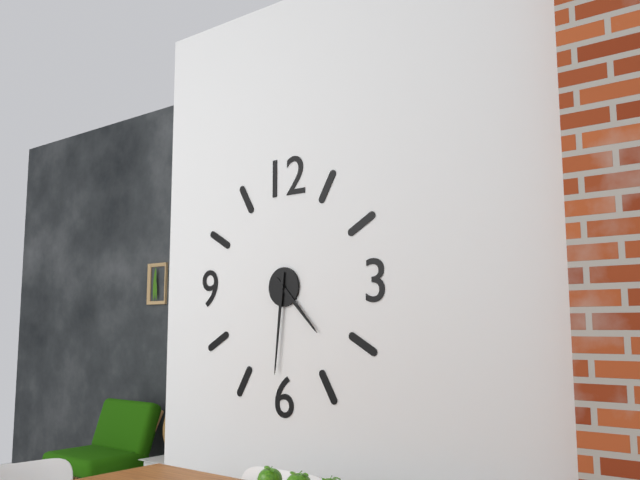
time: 4:31
